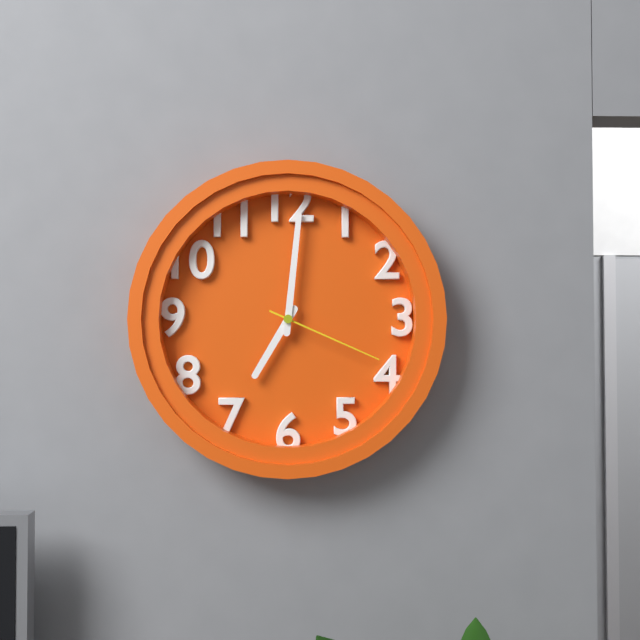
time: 7:01:19
